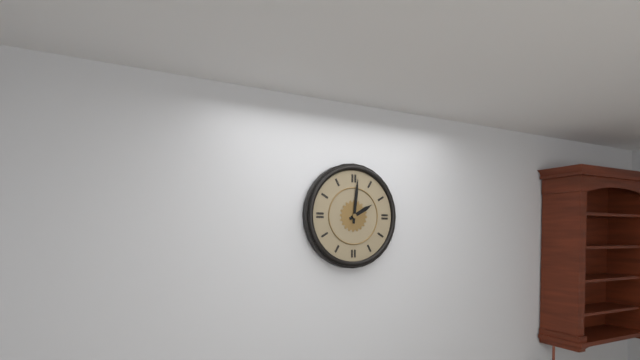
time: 2:01
